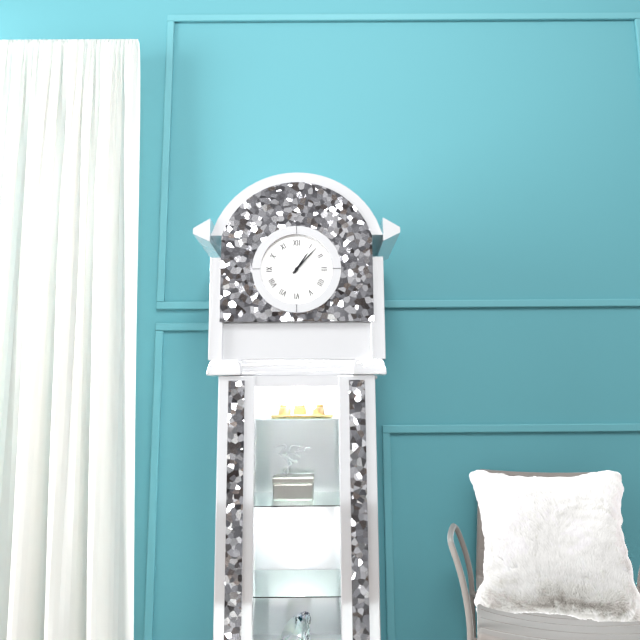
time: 1:07
